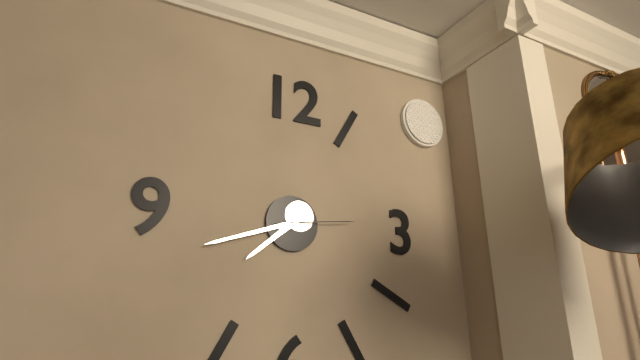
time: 7:42:14
